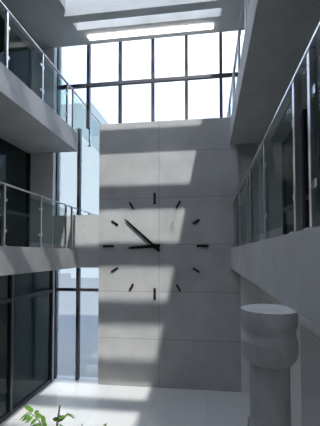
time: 8:52
